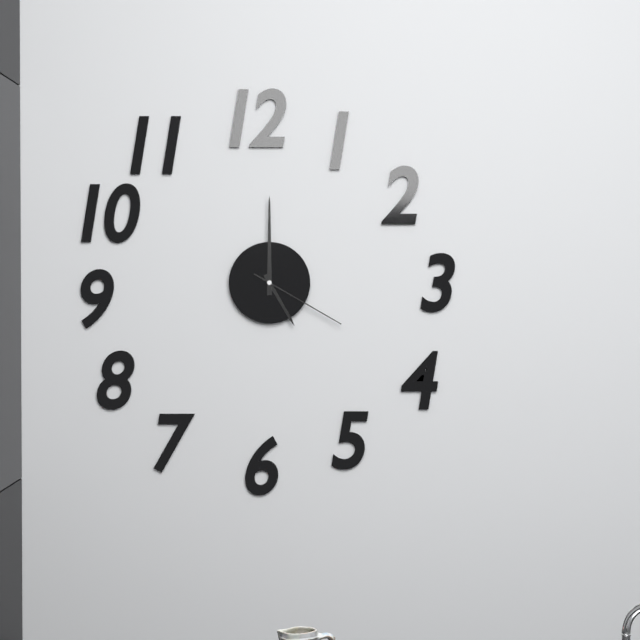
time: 5:00:20
